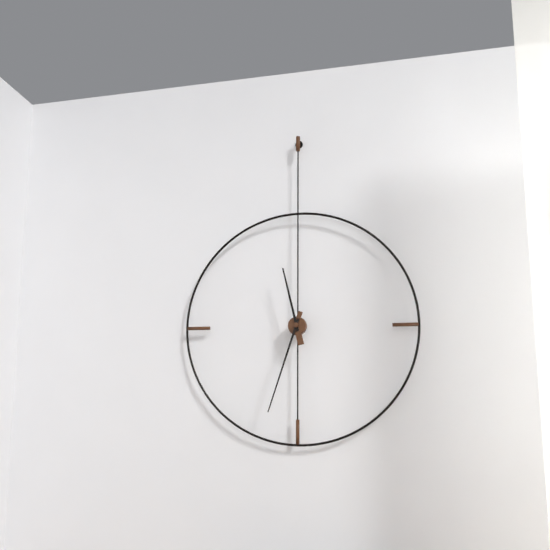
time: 11:33
